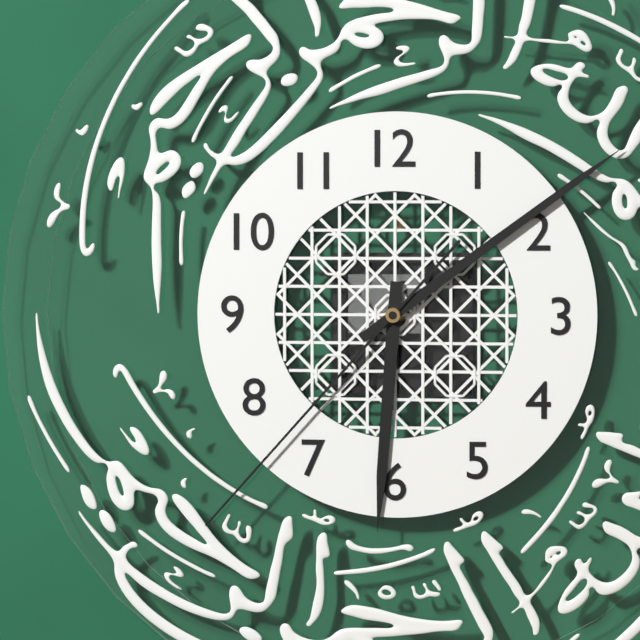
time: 6:09:37
